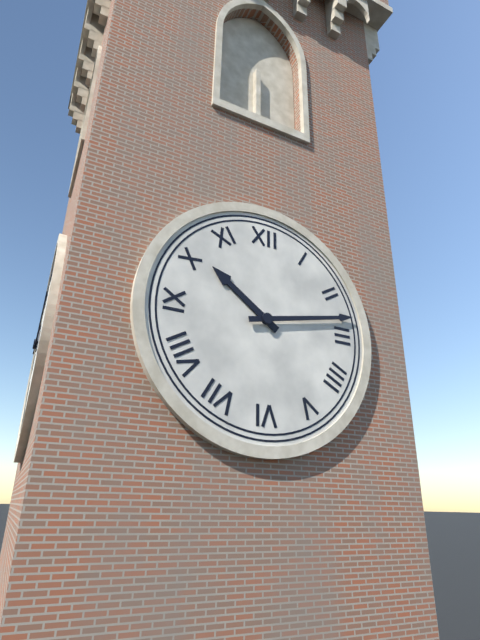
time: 10:13
